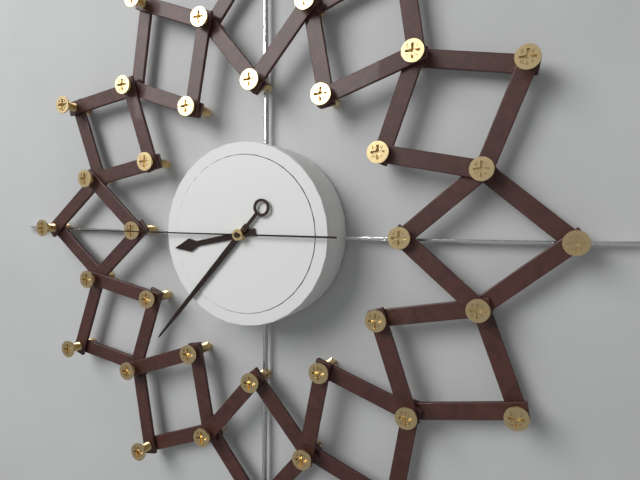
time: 8:37:45
